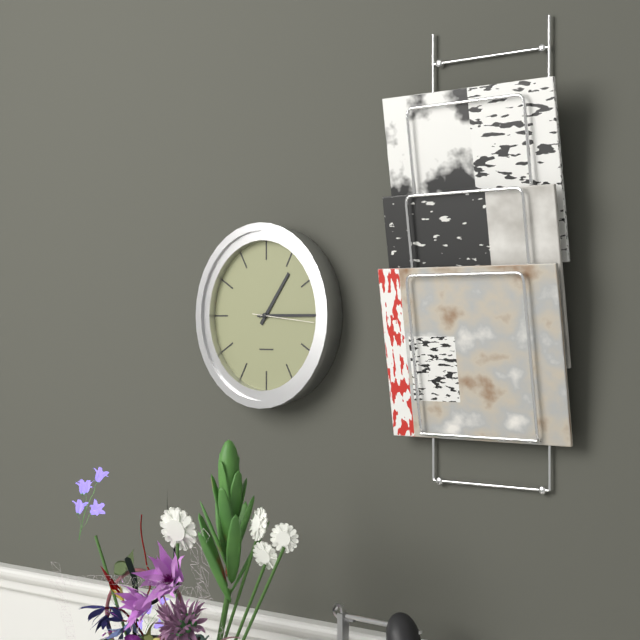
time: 1:15:16
